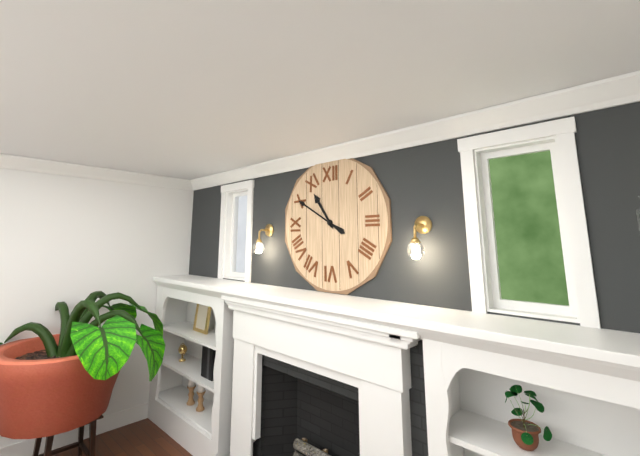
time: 10:50
